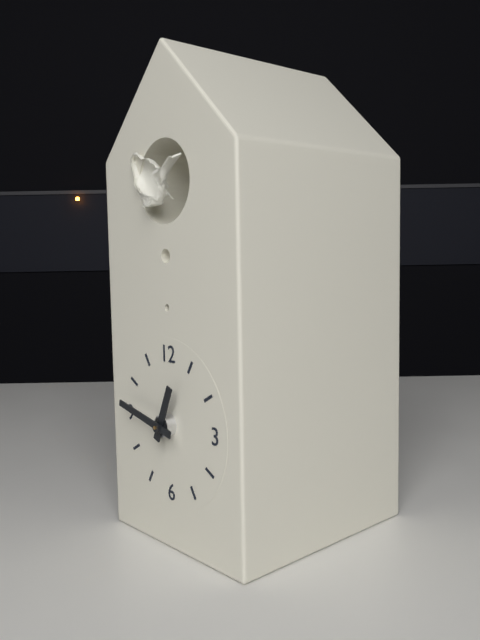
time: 12:47
